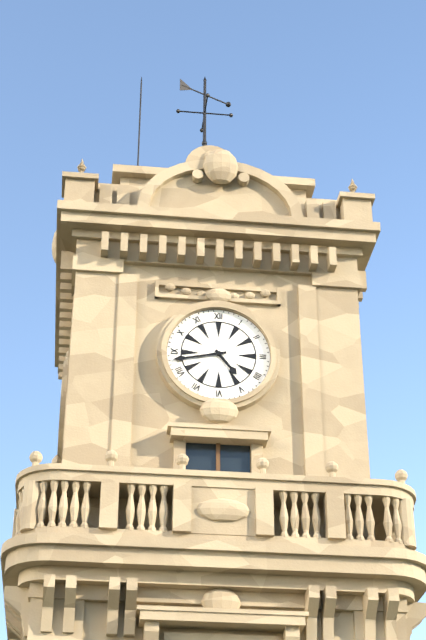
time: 4:43
